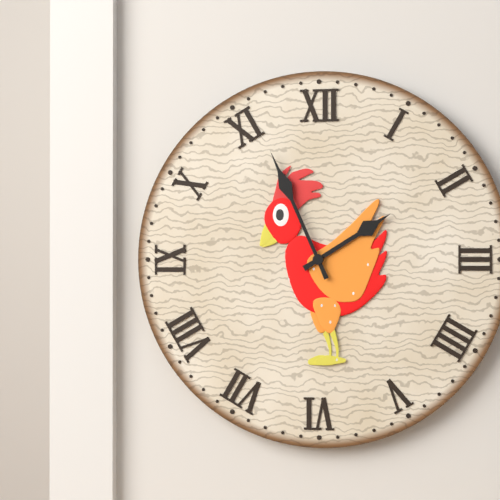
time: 1:56
